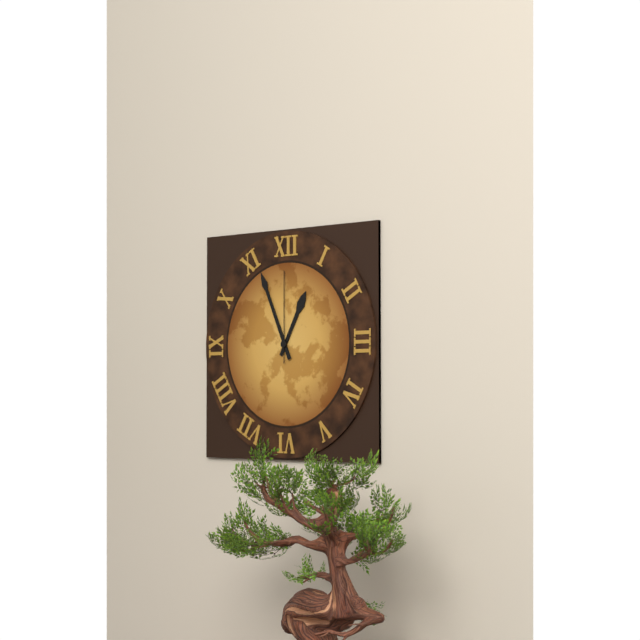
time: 12:56:00
